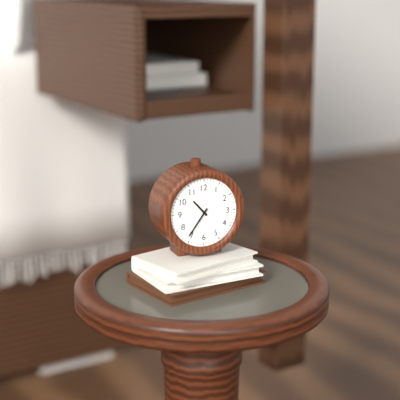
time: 10:36
